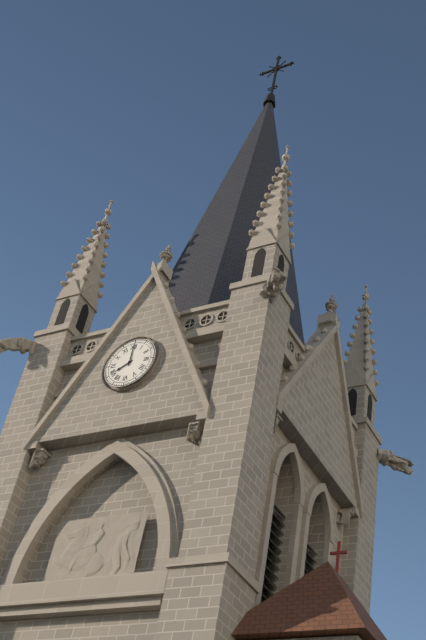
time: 8:00
